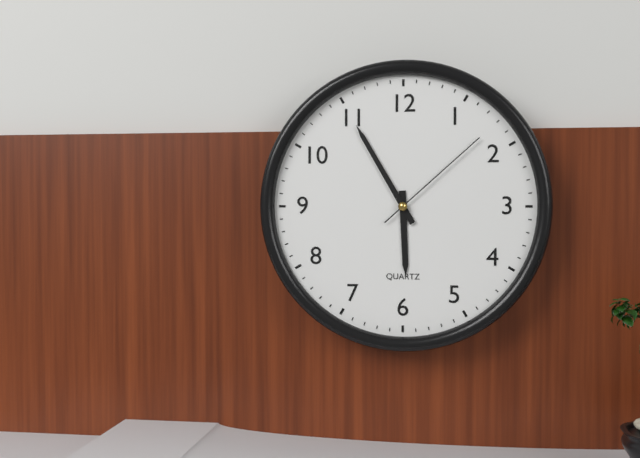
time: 5:55:08
